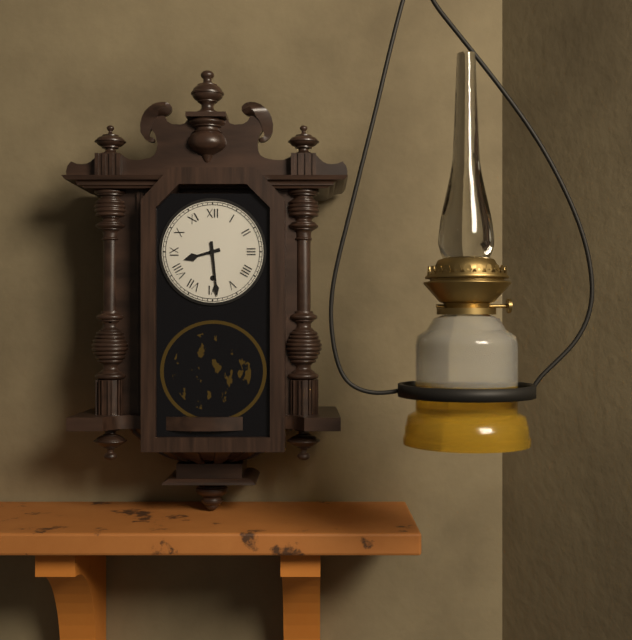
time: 8:29
